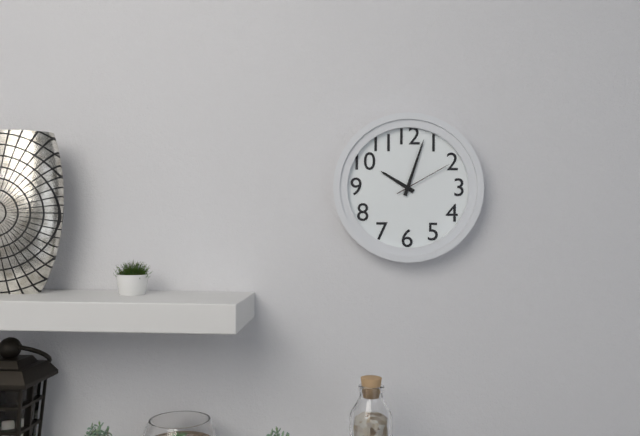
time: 10:03:10
